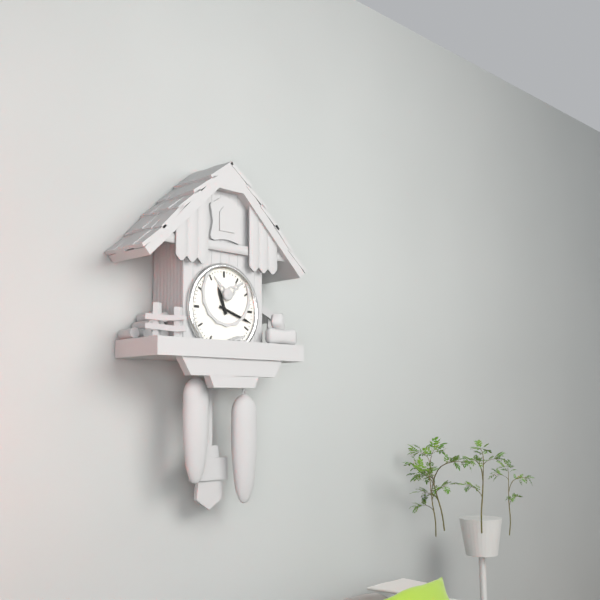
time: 11:18
